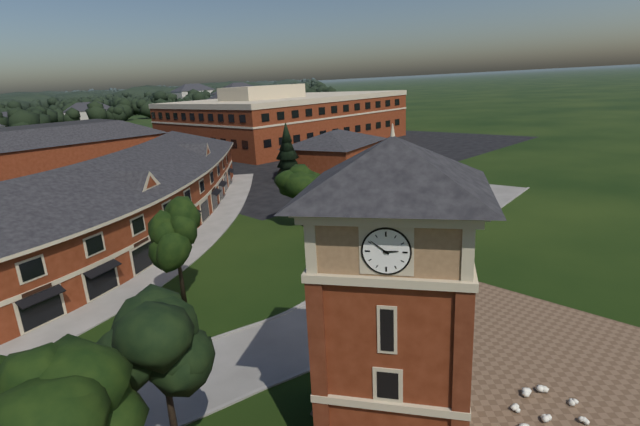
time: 2:51
